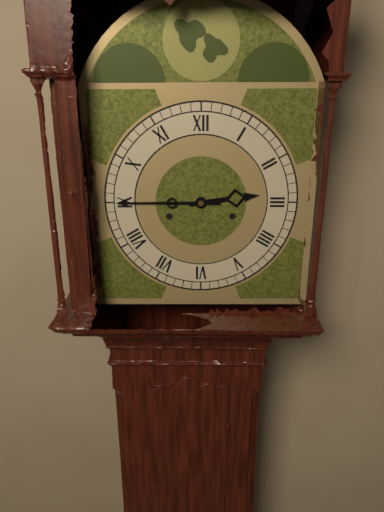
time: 2:45
